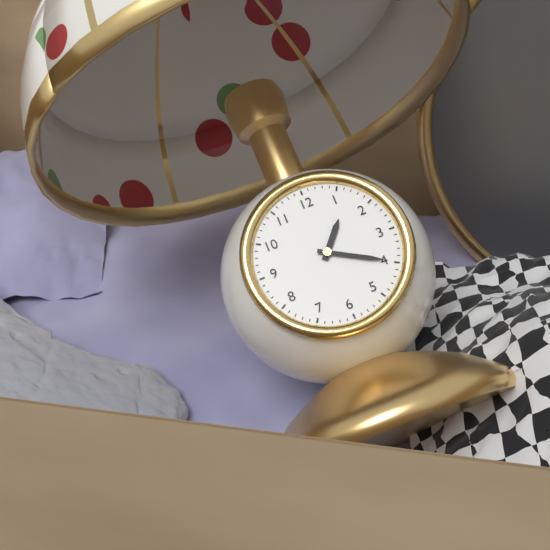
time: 1:20
